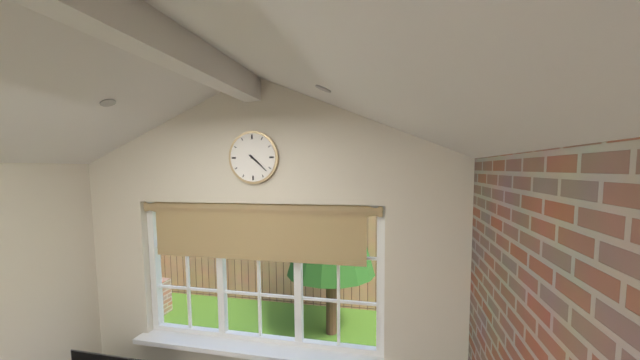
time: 4:22
